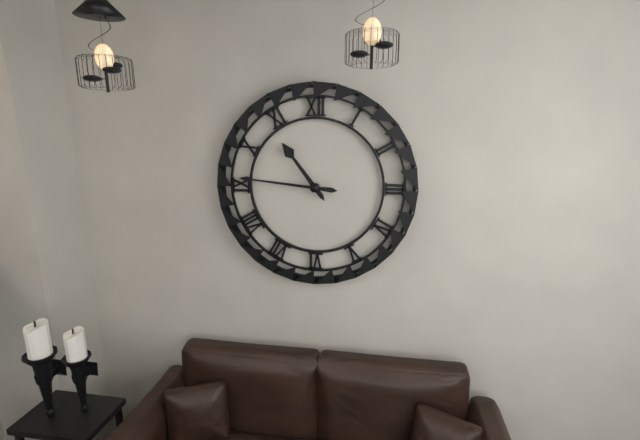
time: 10:46
